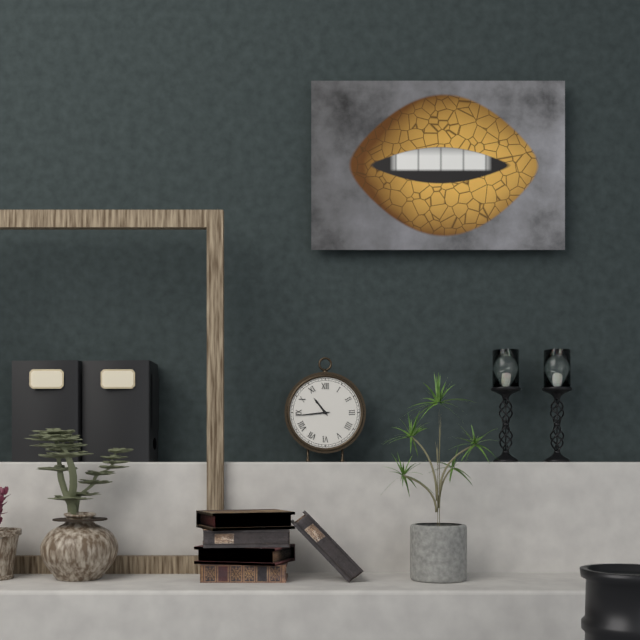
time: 10:44
